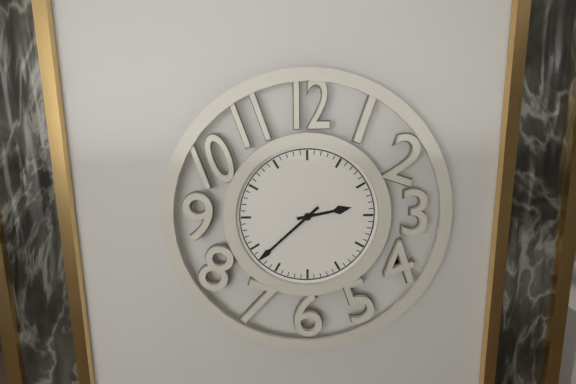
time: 2:38
